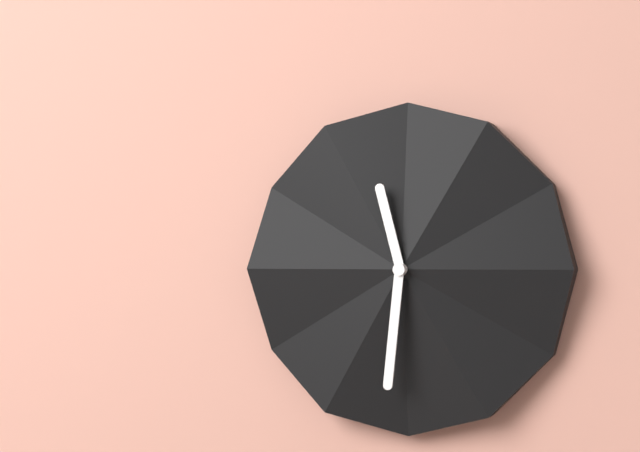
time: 11:31
